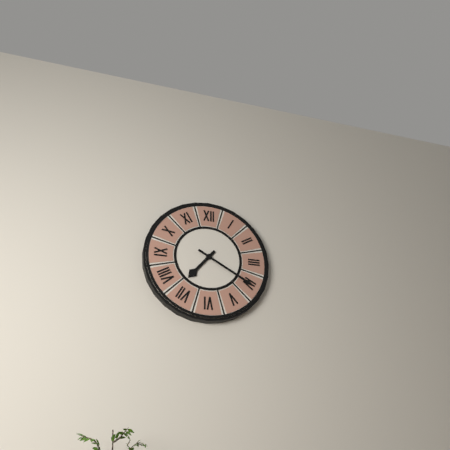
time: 7:20
